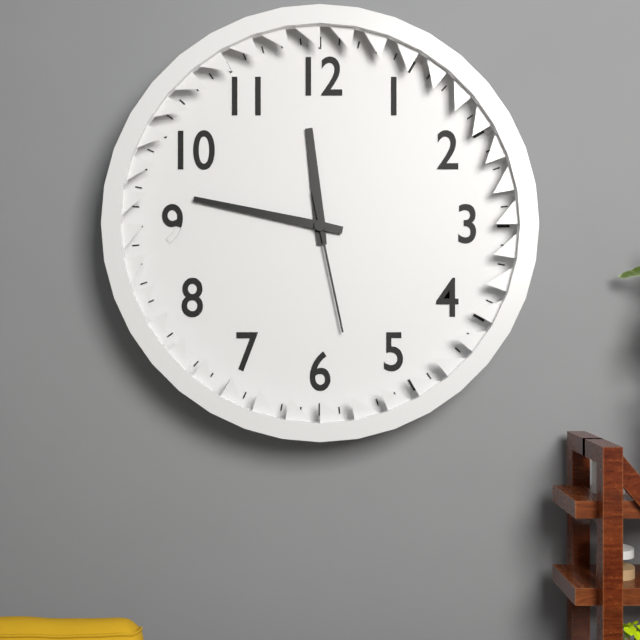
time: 11:47:28
